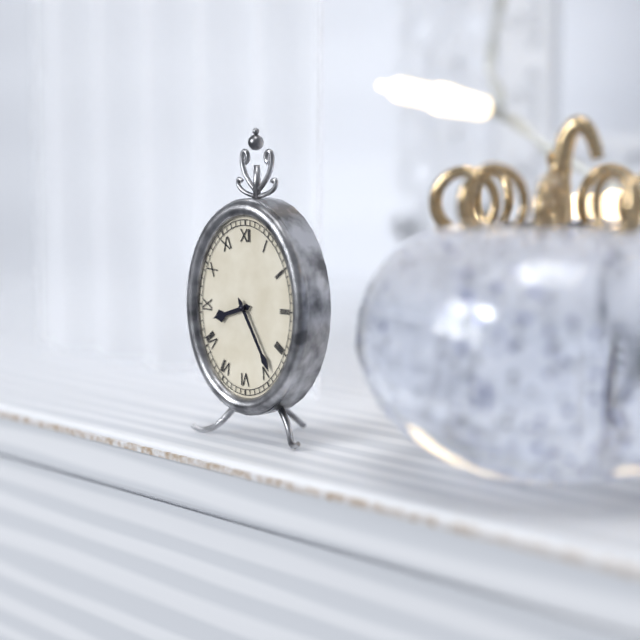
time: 8:25
